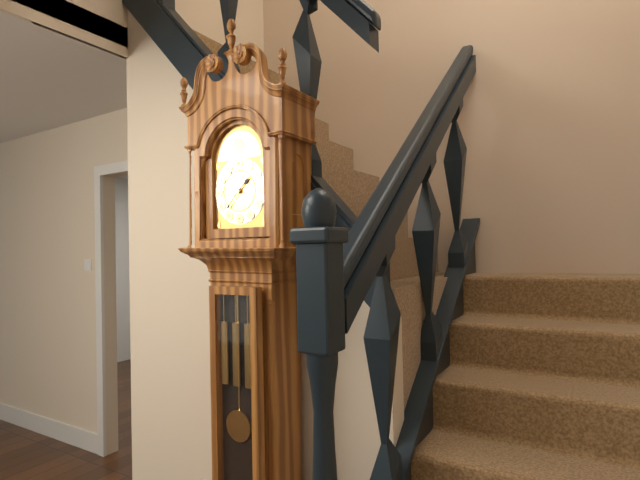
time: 1:37
